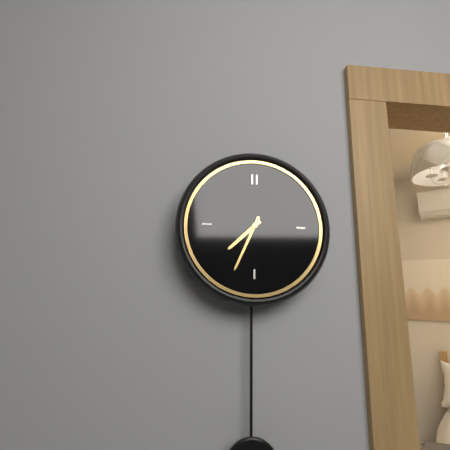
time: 7:34
